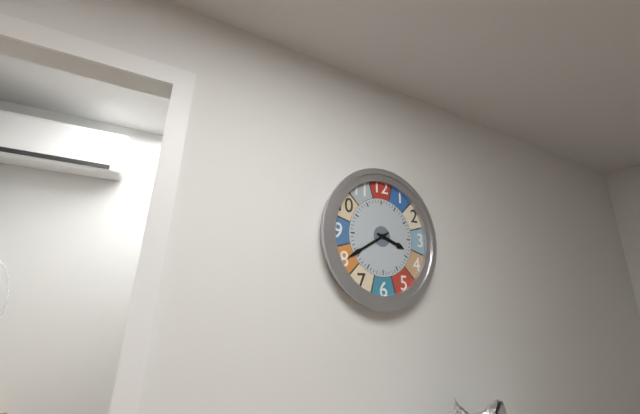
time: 3:40
